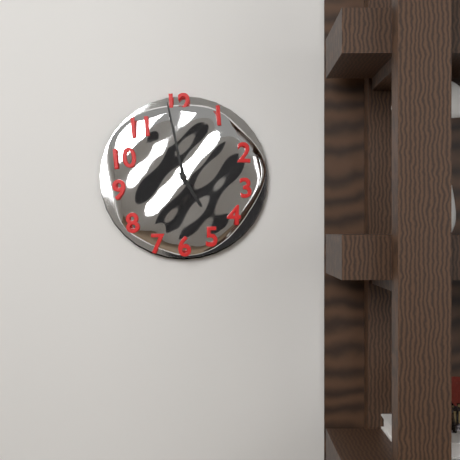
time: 4:58
